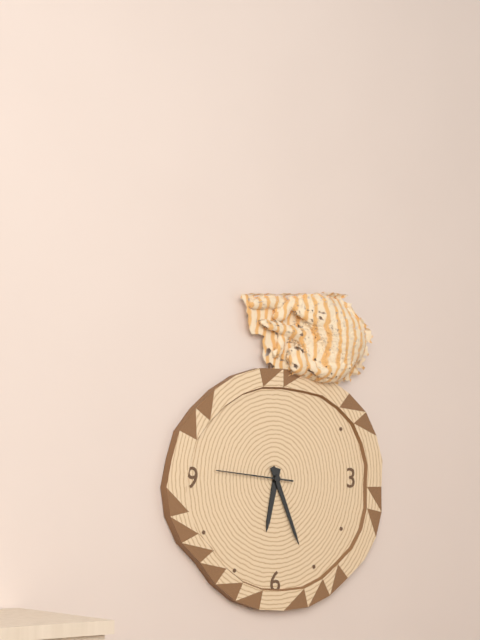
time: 6:26:46
